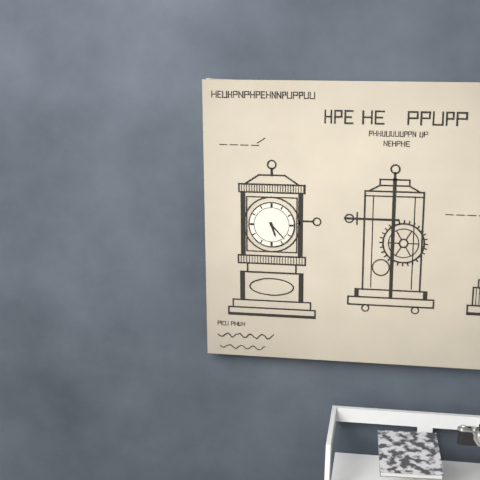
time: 5:23
